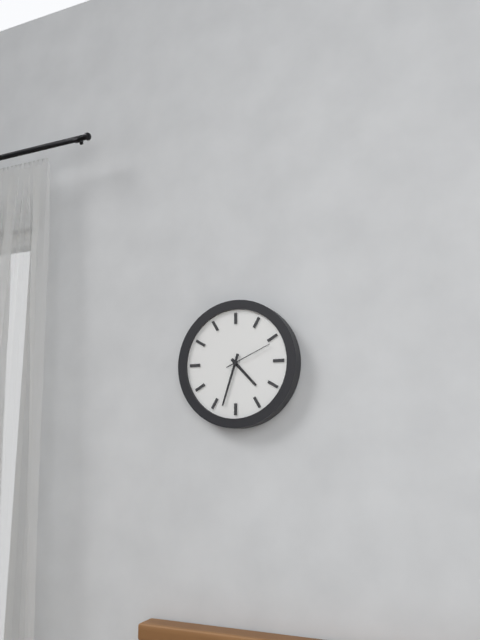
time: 4:33
